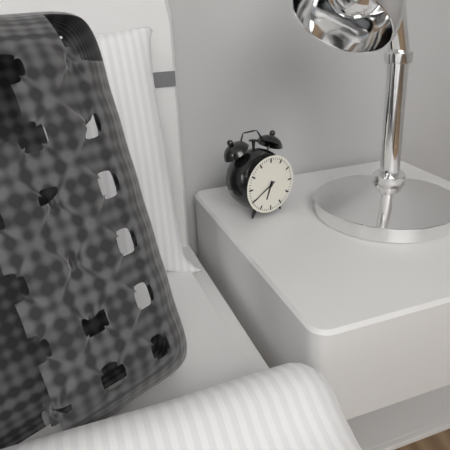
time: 6:40
